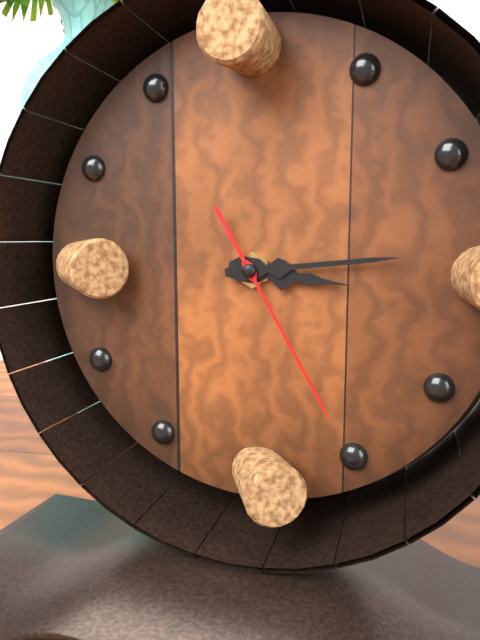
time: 3:14:25
